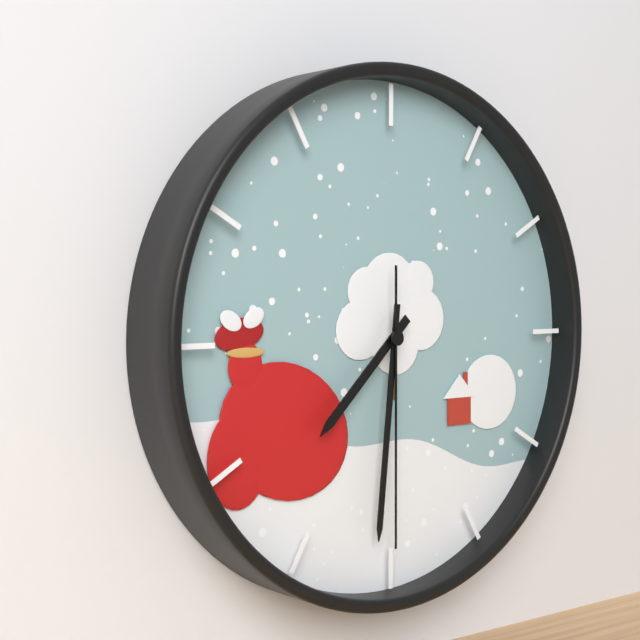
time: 7:31:30
